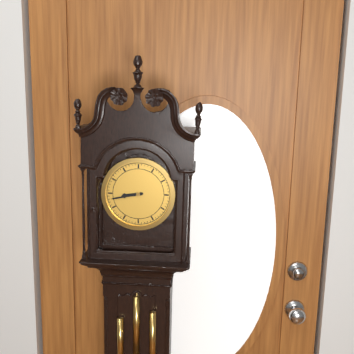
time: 8:43
